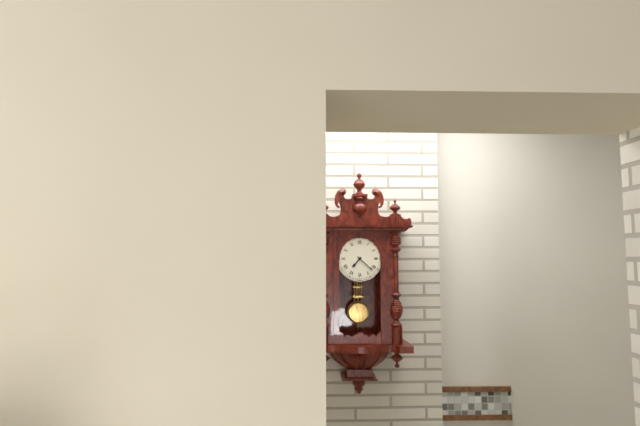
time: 7:22
